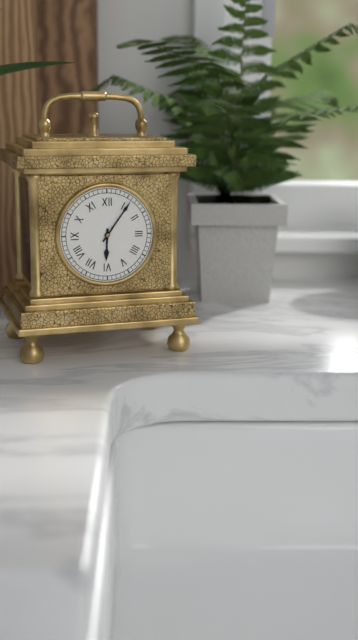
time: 6:06
